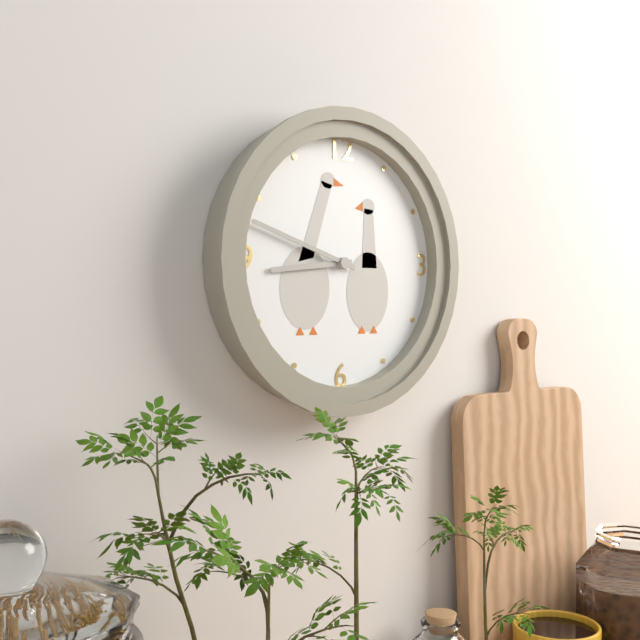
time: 8:48
